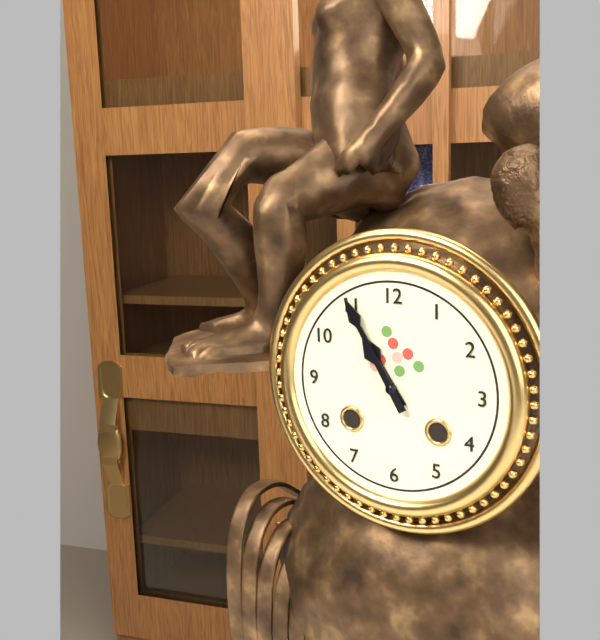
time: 10:55
